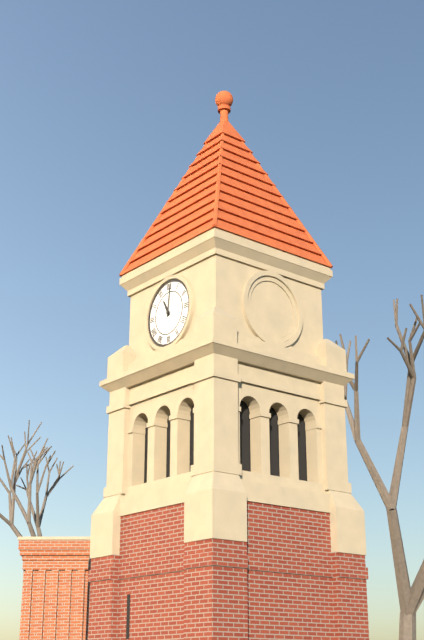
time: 11:01
